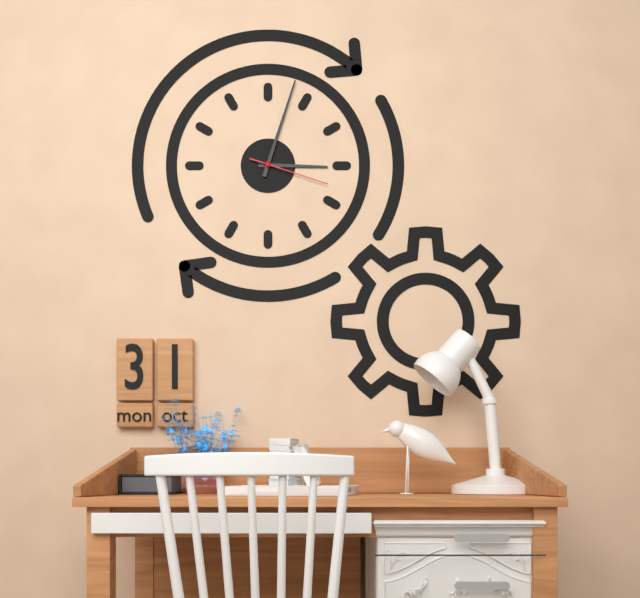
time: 3:03:18
